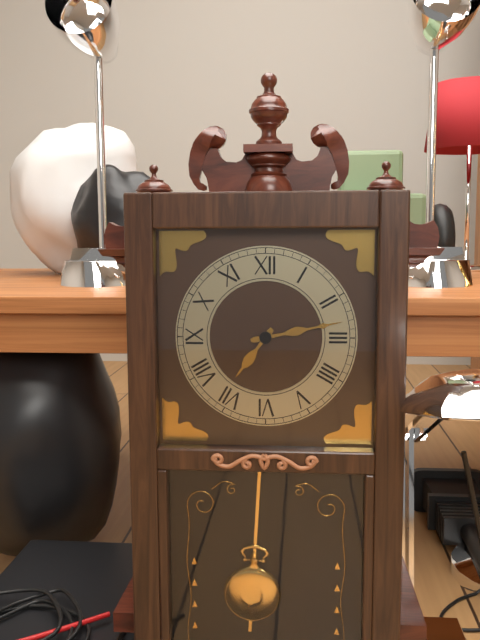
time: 7:13
